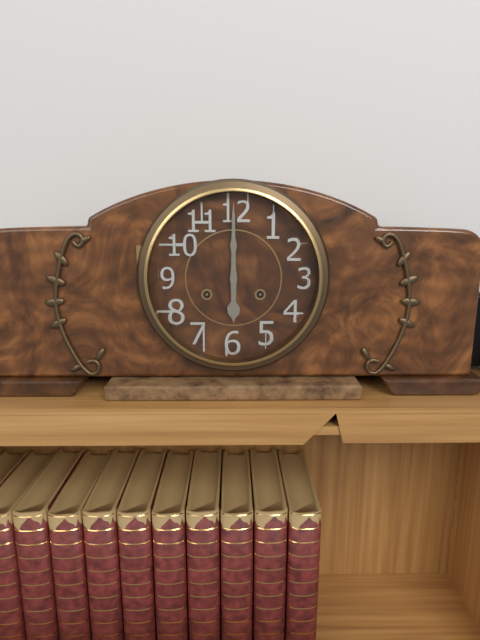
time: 6:00
